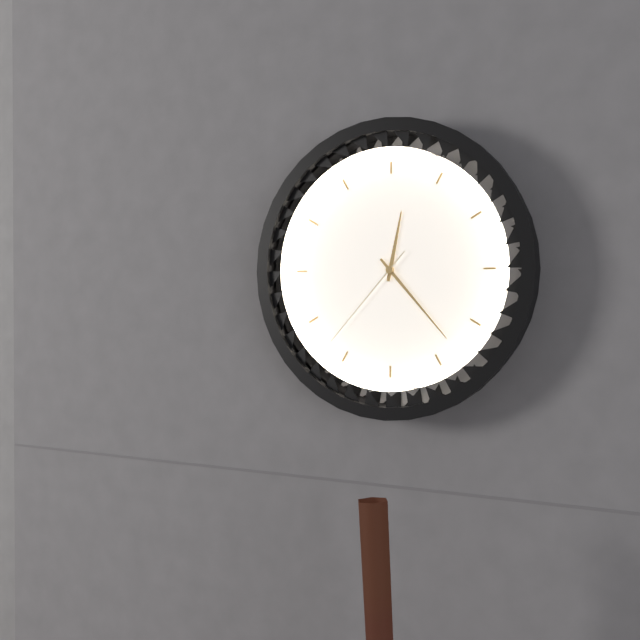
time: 12:23:37
